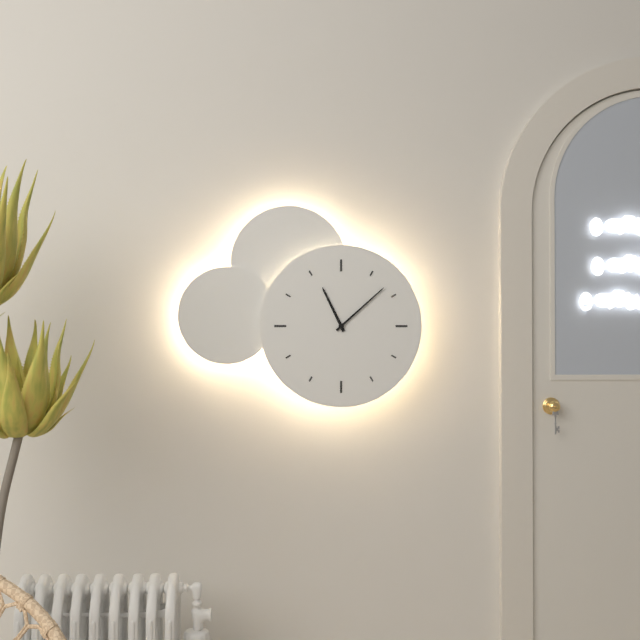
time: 11:08
